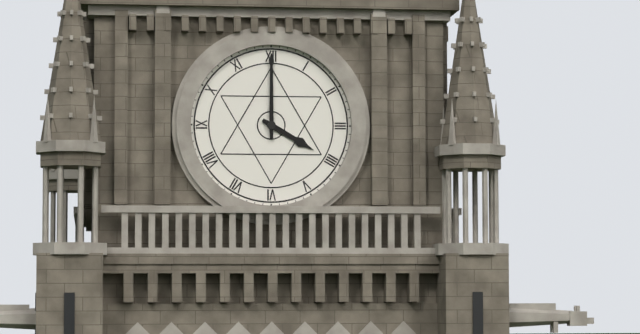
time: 4:00
